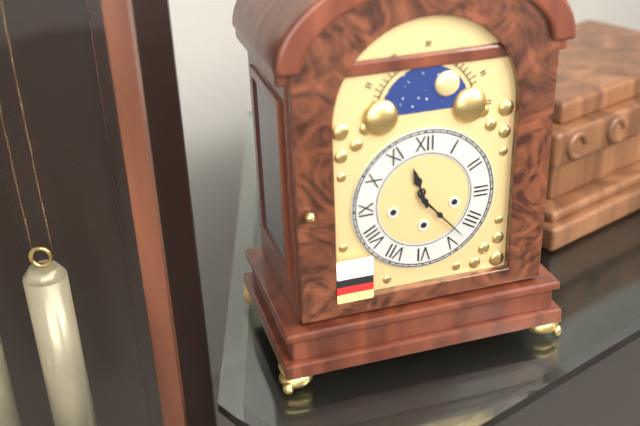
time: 11:23
